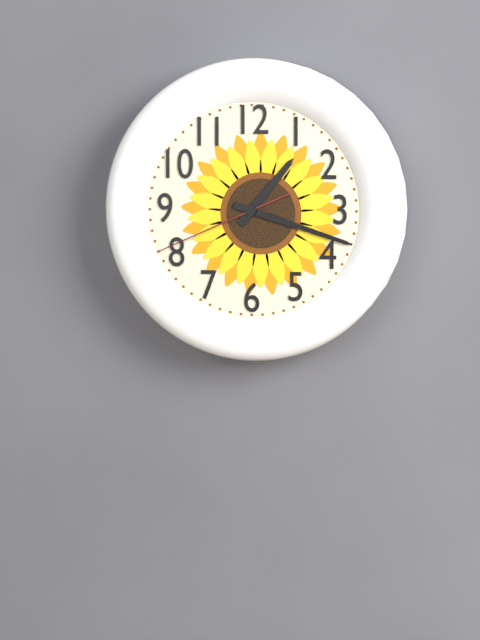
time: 1:18:41
